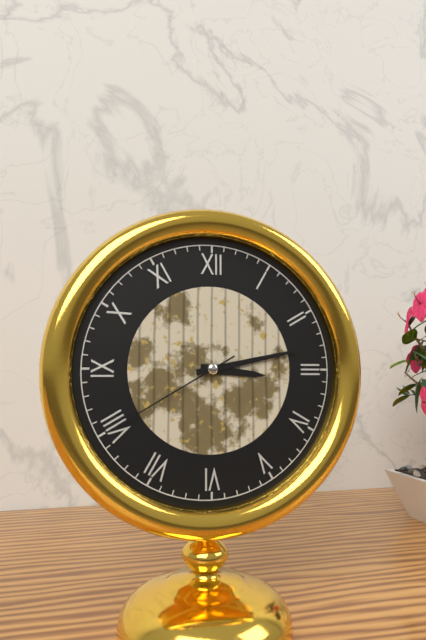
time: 3:13:40
